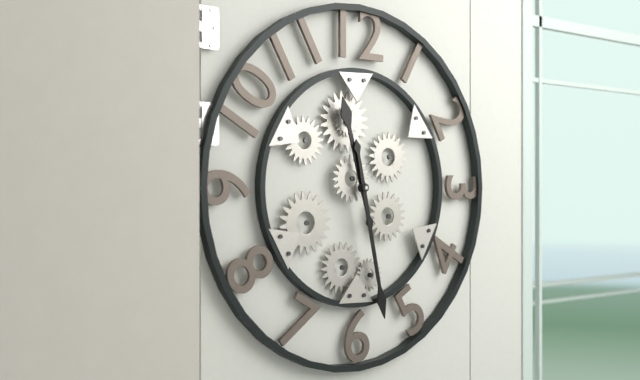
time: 11:28
